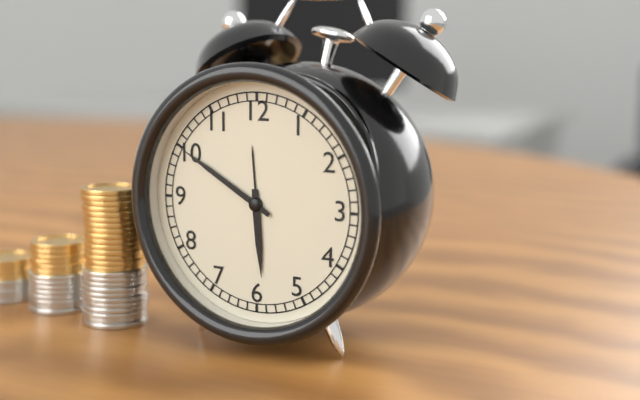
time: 5:50
